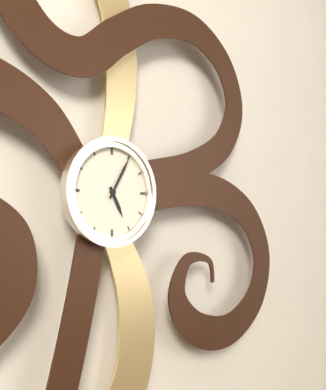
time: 5:05
